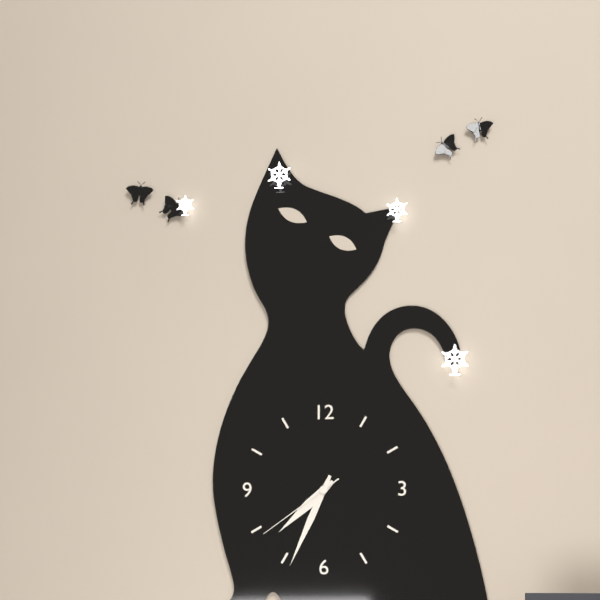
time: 7:34:39
